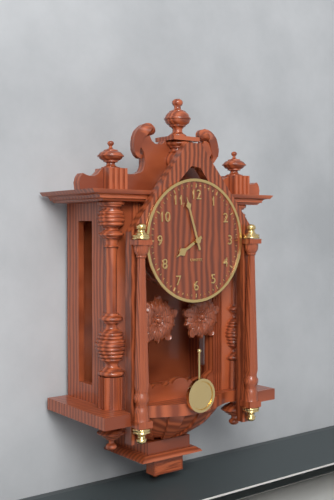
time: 7:57
